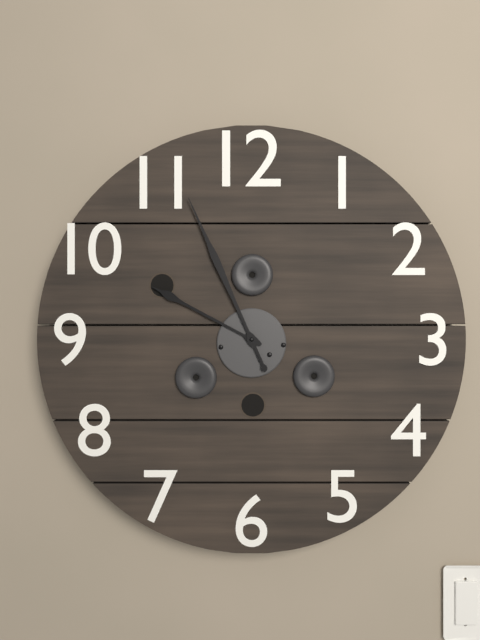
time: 9:56
